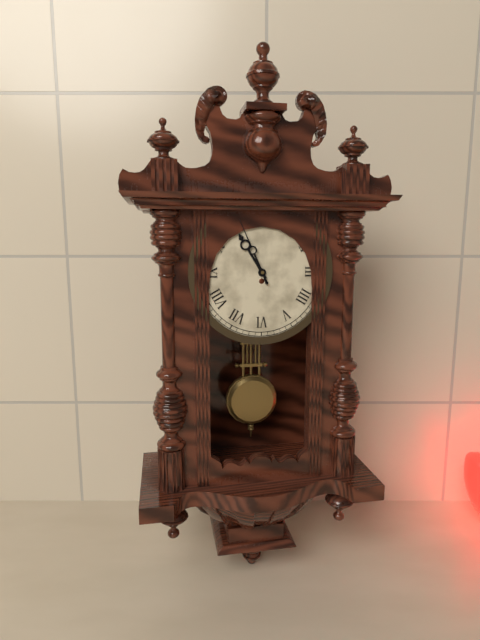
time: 10:56
